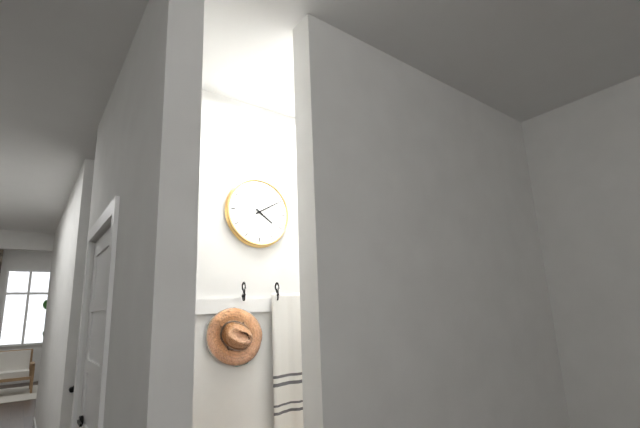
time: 4:10
